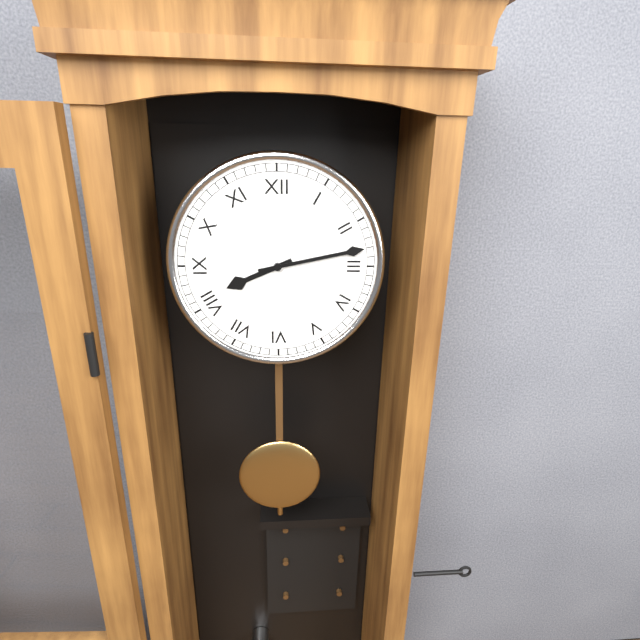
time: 8:13
